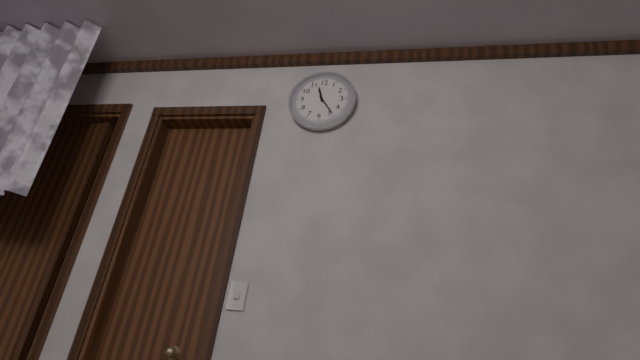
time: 11:24
